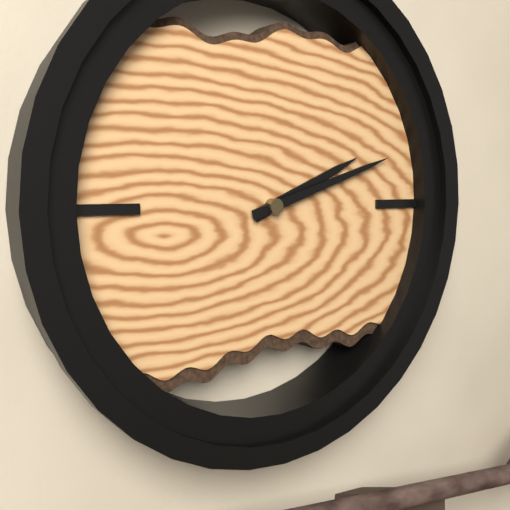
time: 2:12
